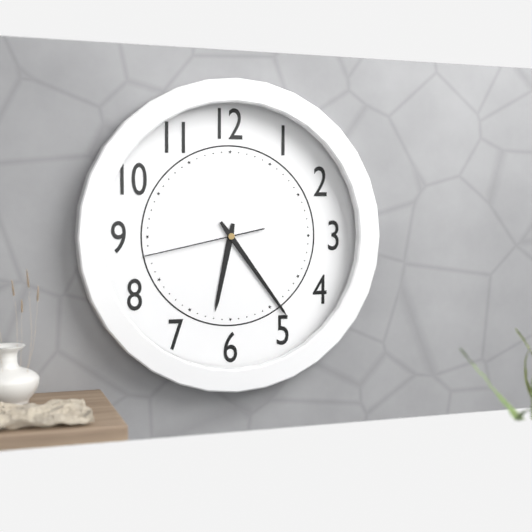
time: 6:24:43
